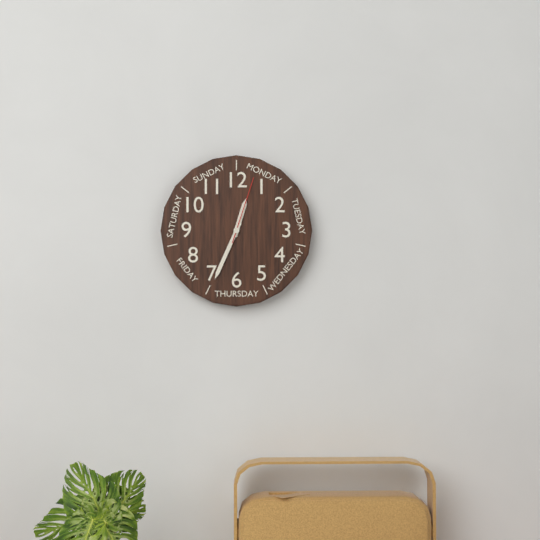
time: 12:34:03
